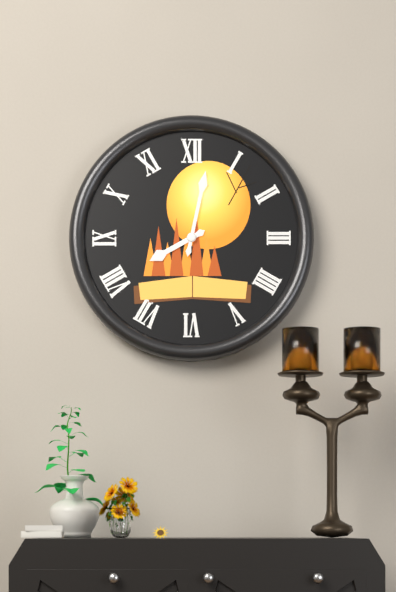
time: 8:02
